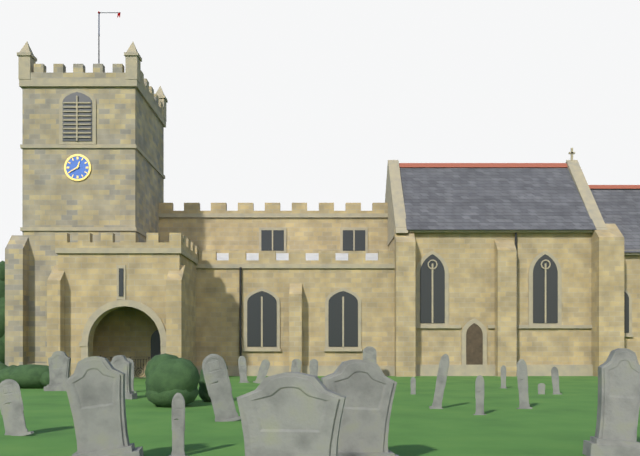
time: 12:40
